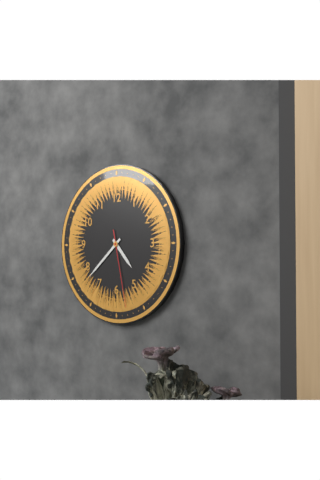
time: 4:38:28
